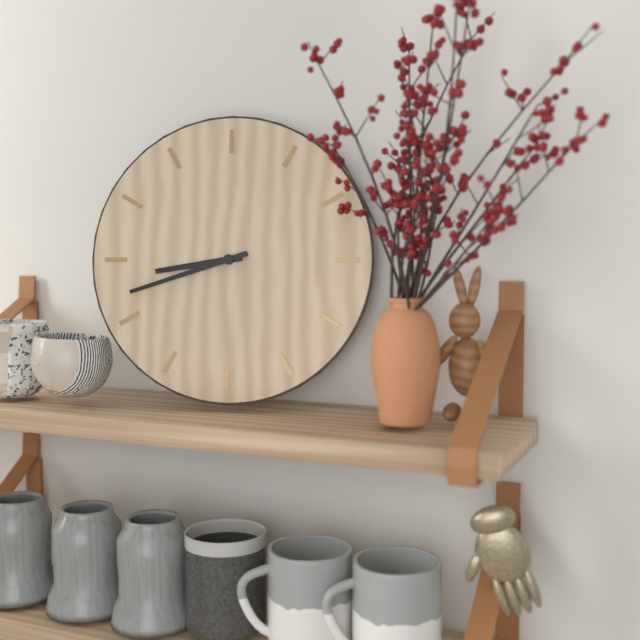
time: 8:42
